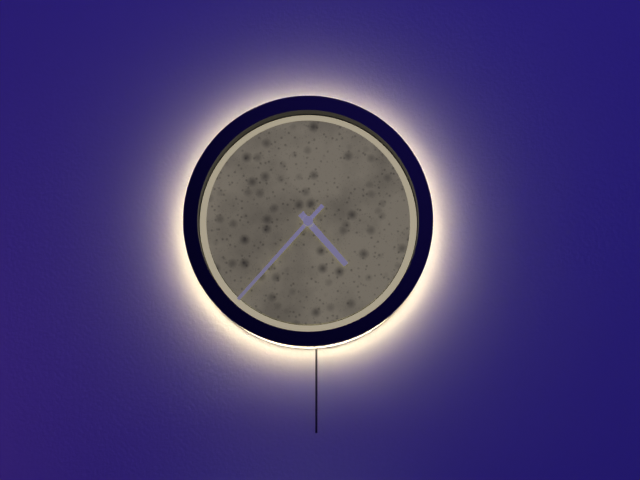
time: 4:37
